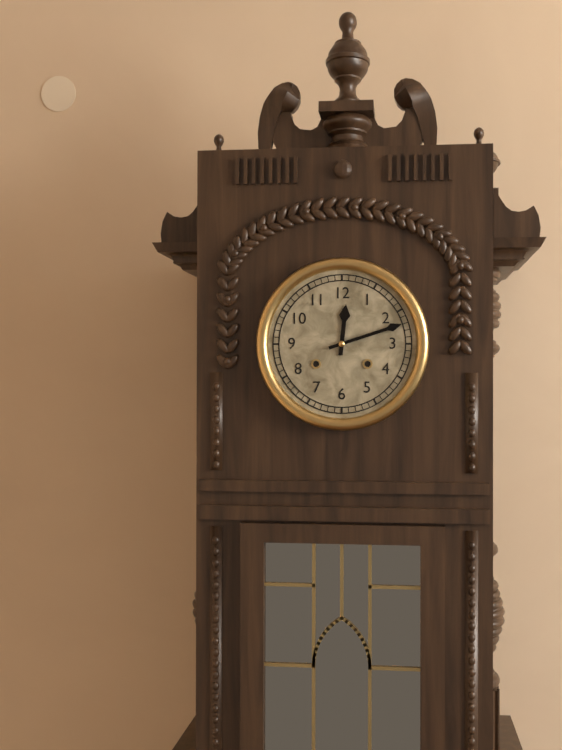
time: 12:12
